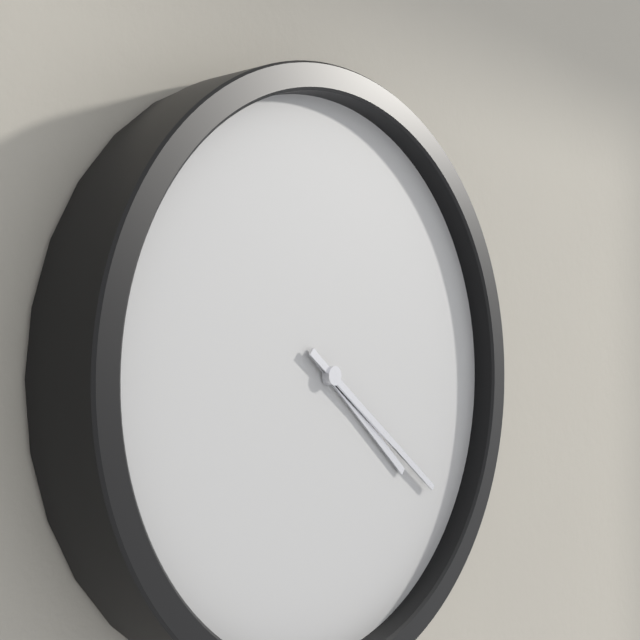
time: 4:21
